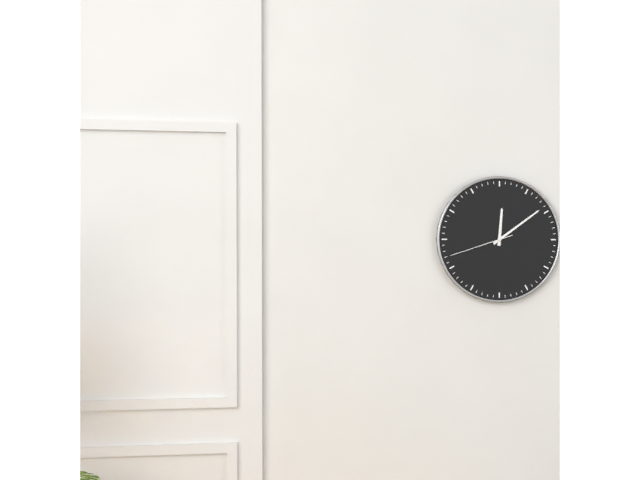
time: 12:09:42
